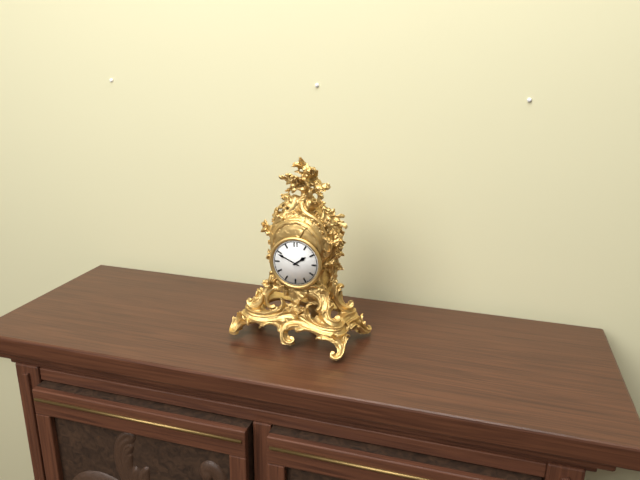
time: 1:49
